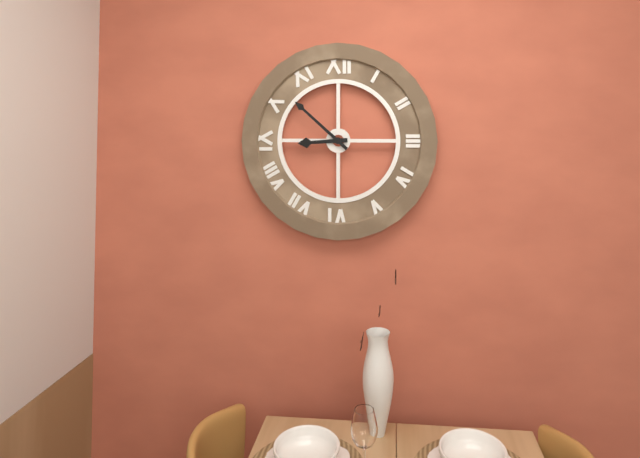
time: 8:52
